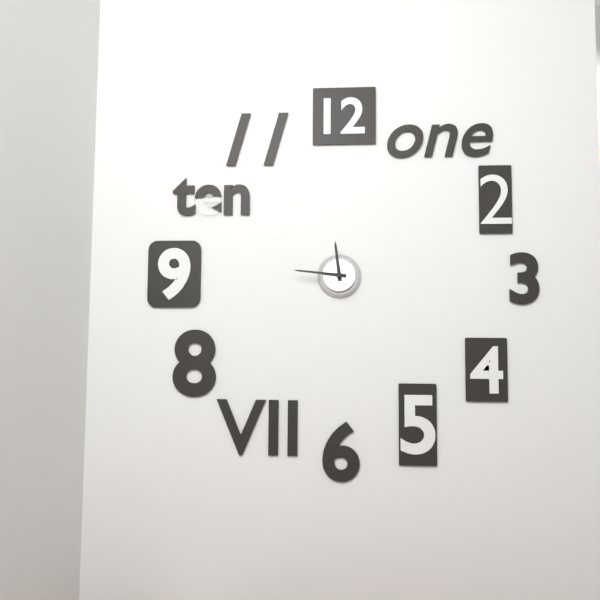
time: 11:46
